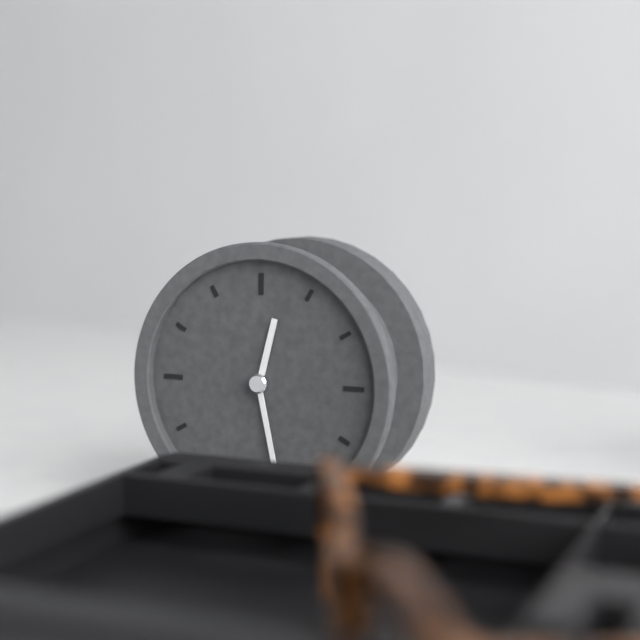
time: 12:28
